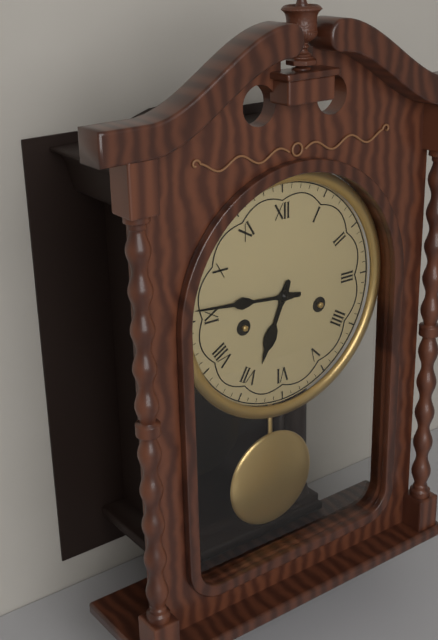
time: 6:46
